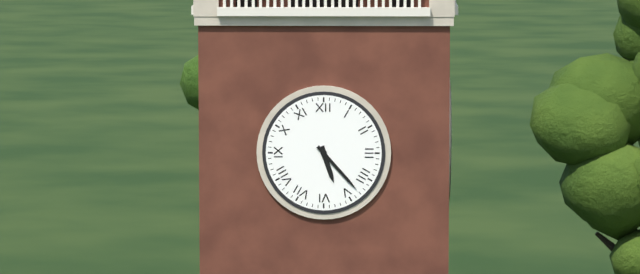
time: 5:23
